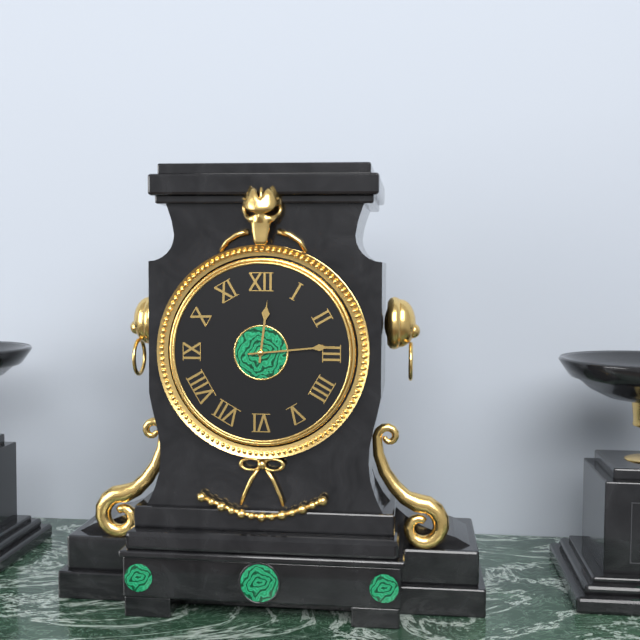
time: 12:14
